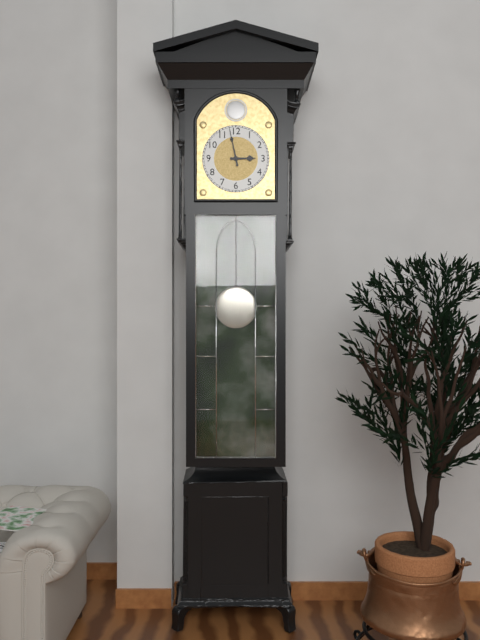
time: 2:58
